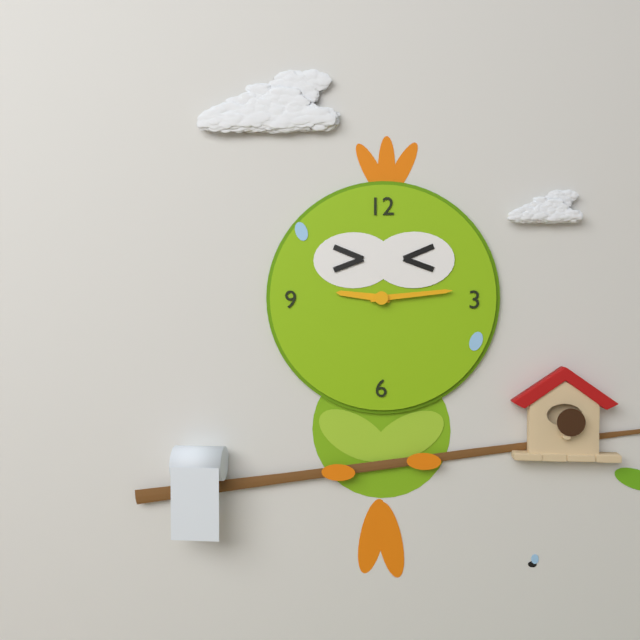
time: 9:14
